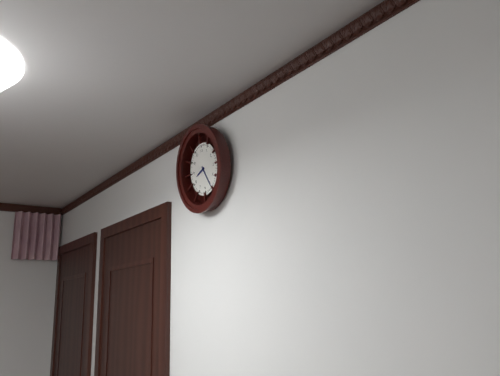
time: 8:25
